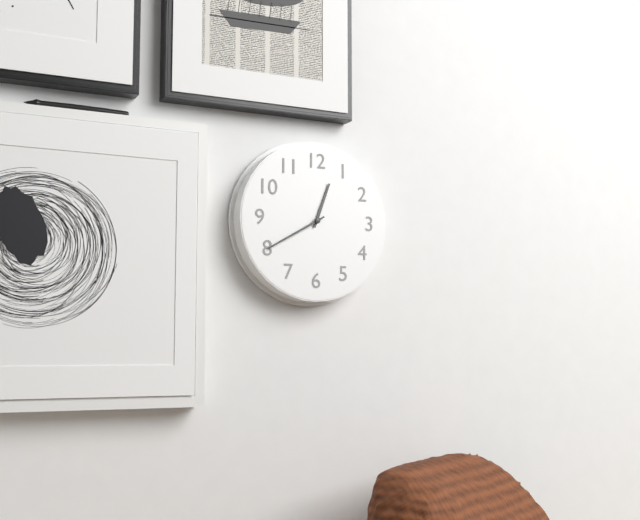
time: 12:40
